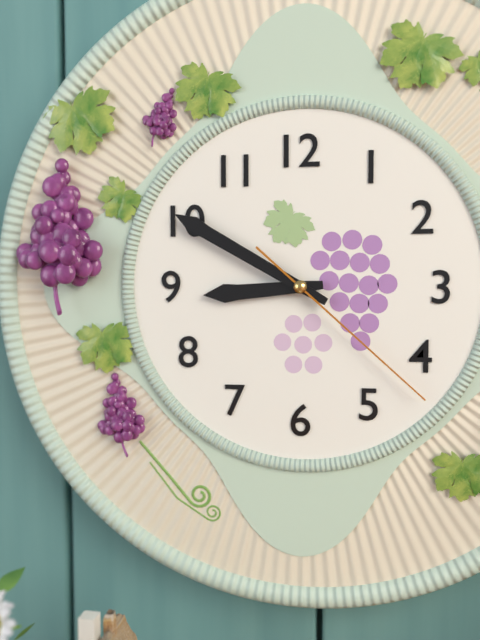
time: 8:50:22
